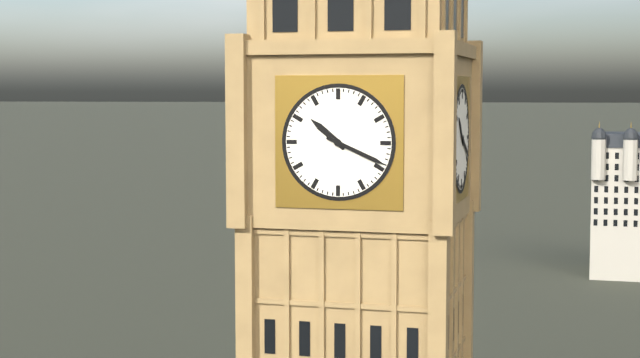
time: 10:19
